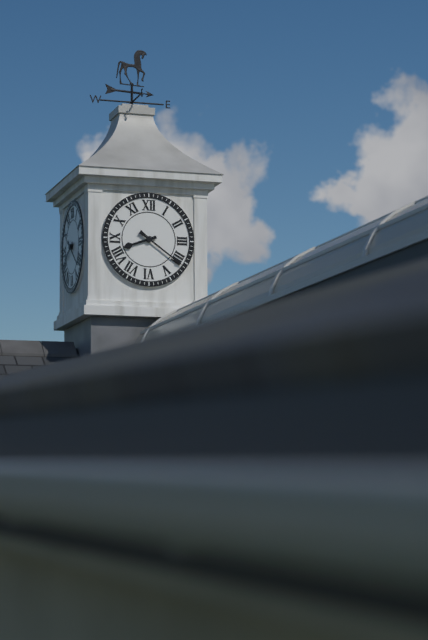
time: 8:21
